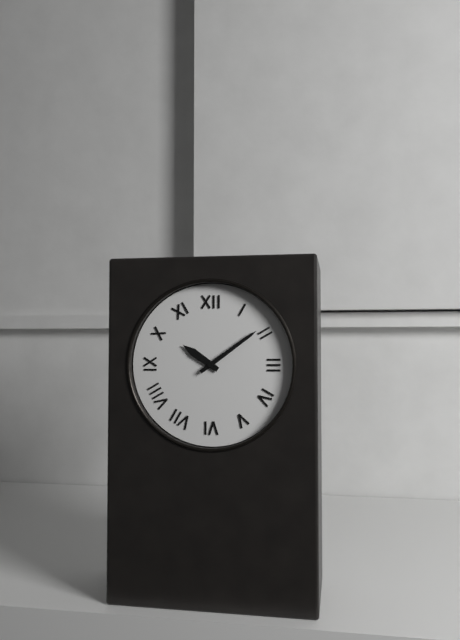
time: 10:09
